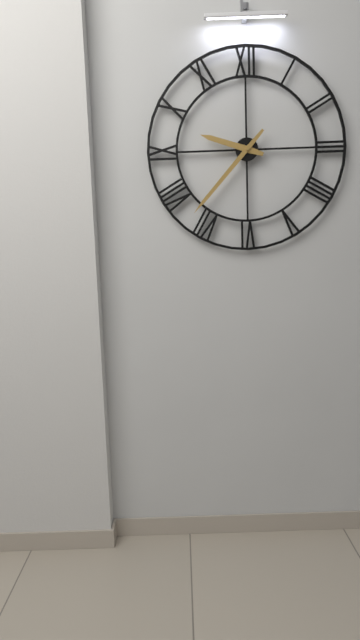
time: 9:37
